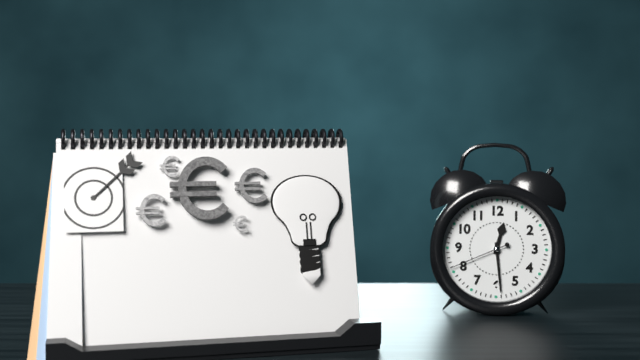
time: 12:29:41
